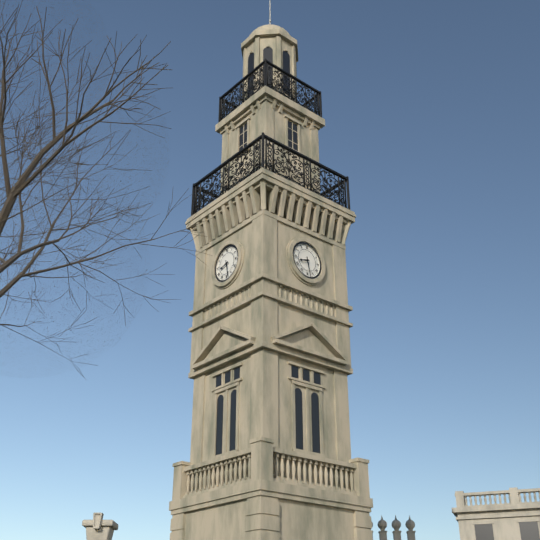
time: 8:28
